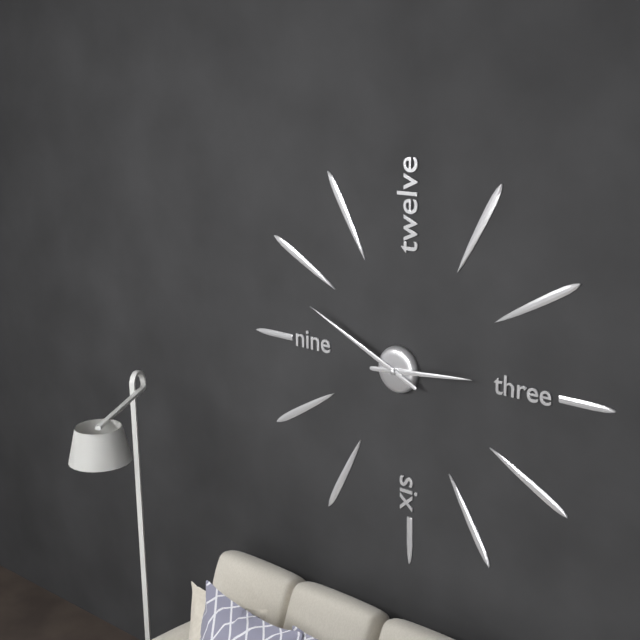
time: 2:49
